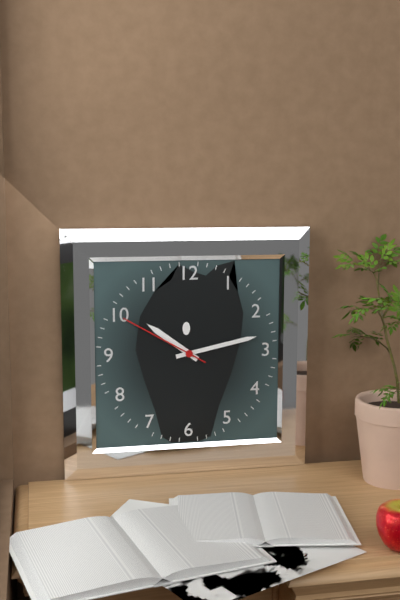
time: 10:13:50
